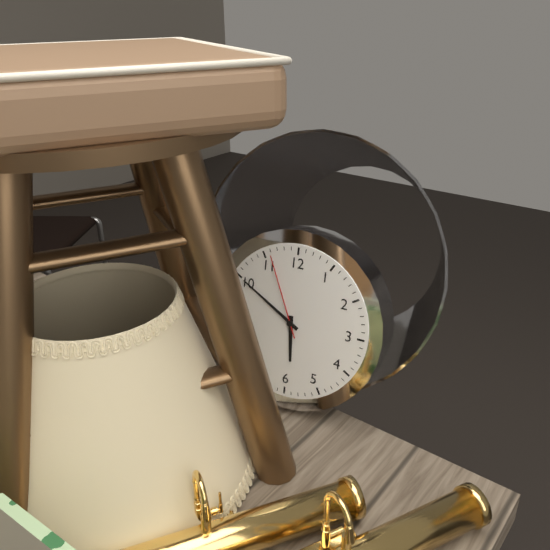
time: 5:50:56
